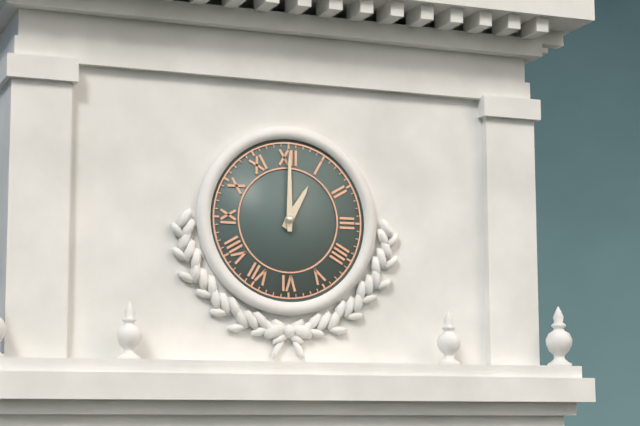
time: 1:00
